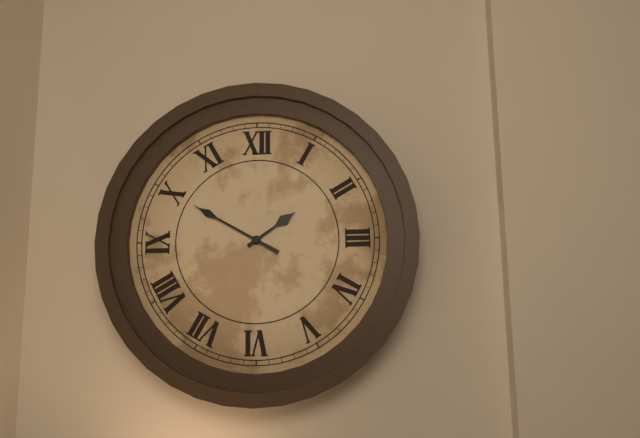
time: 1:50
